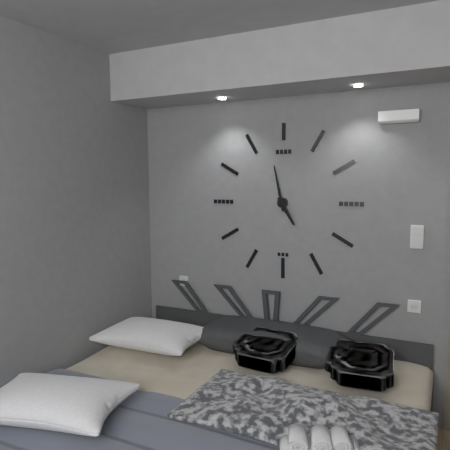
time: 4:58
